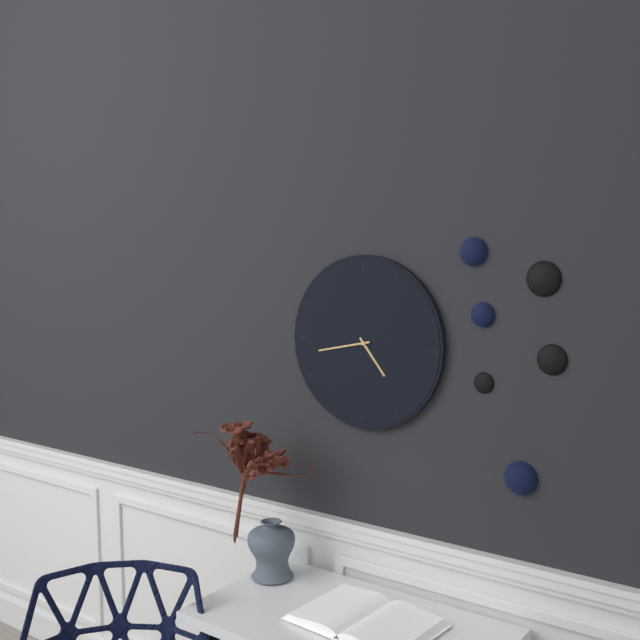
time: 4:43
